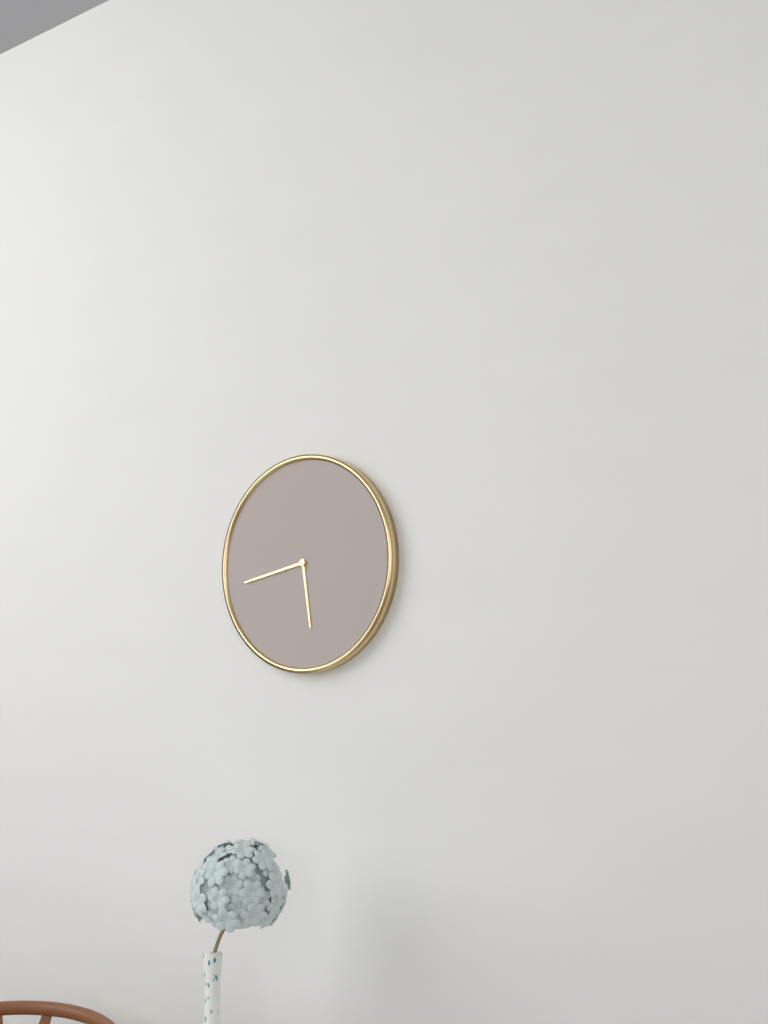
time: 5:43
